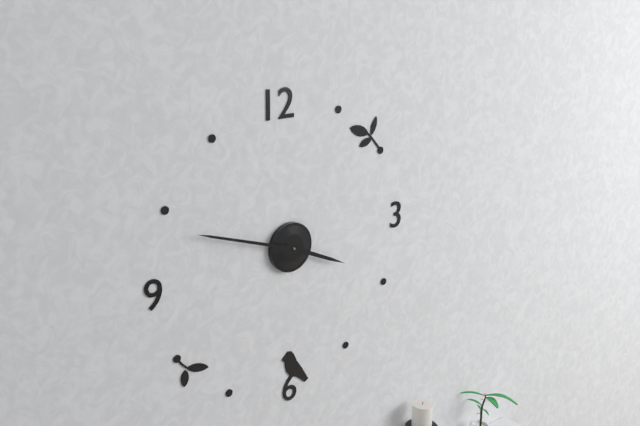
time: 3:48
